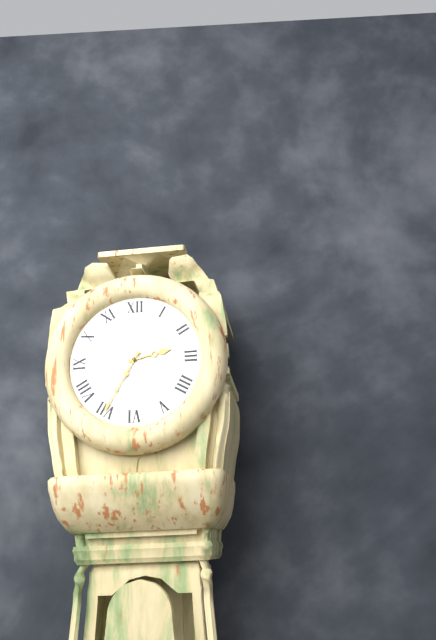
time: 2:35
